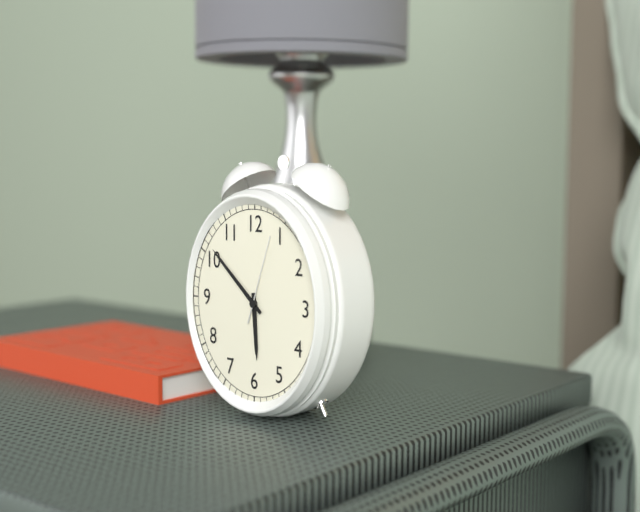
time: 5:52:03
